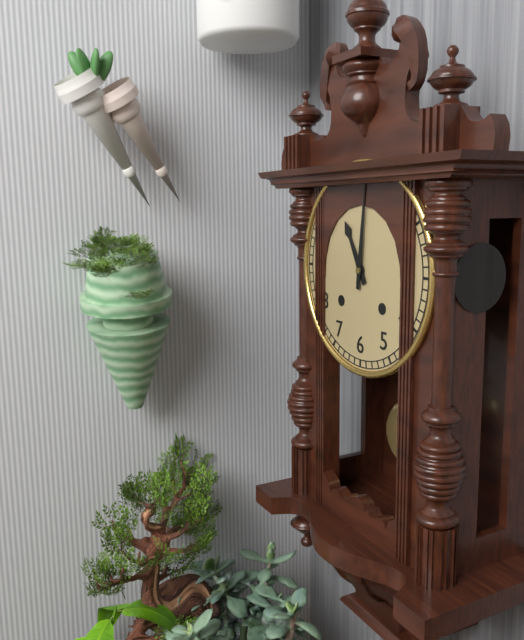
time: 11:01
